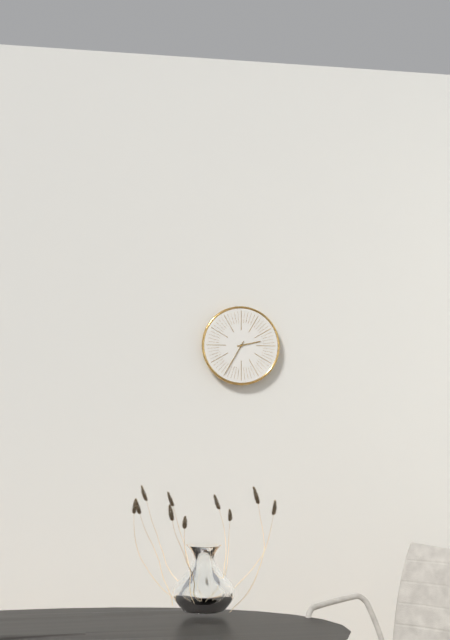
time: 2:35
